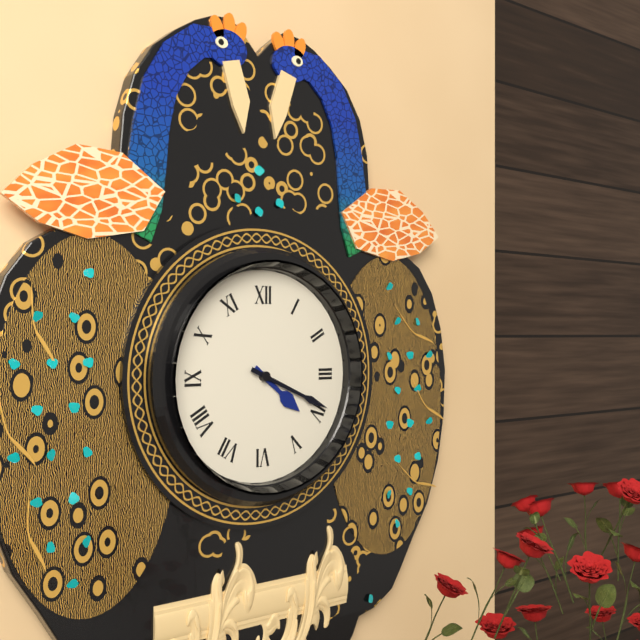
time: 4:19
